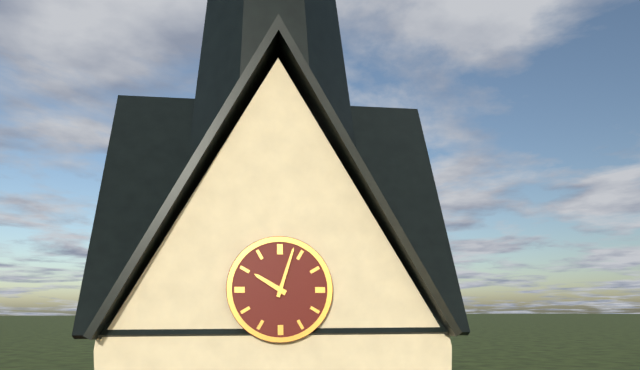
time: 10:03
